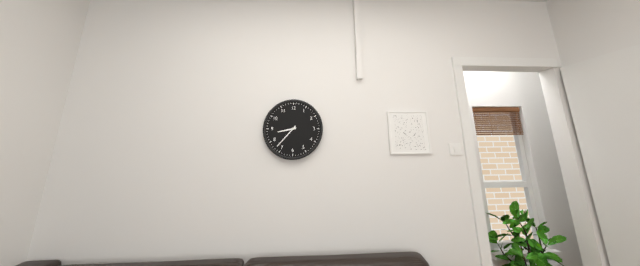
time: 8:37
